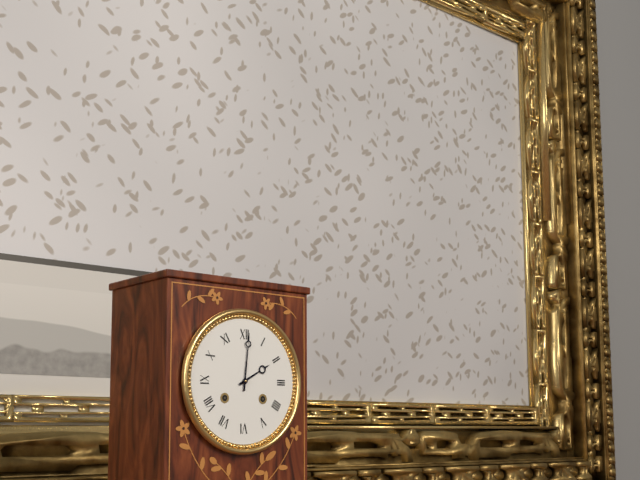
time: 2:01
